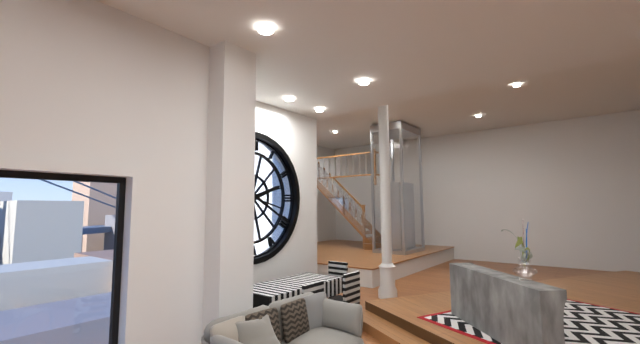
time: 2:20
